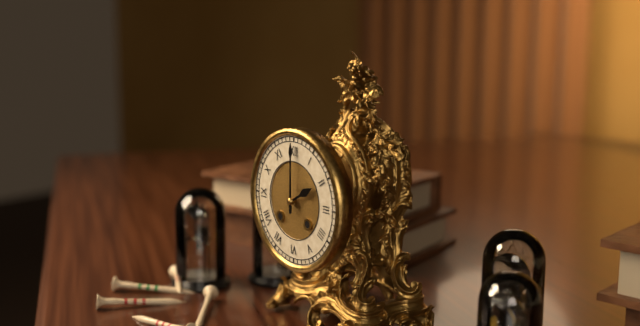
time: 2:00
